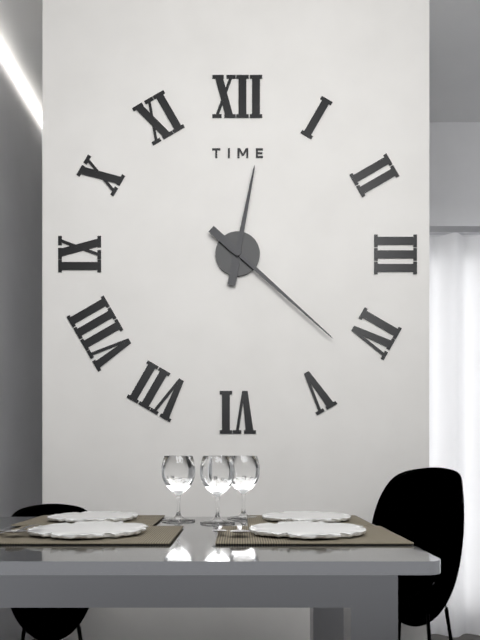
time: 12:22
